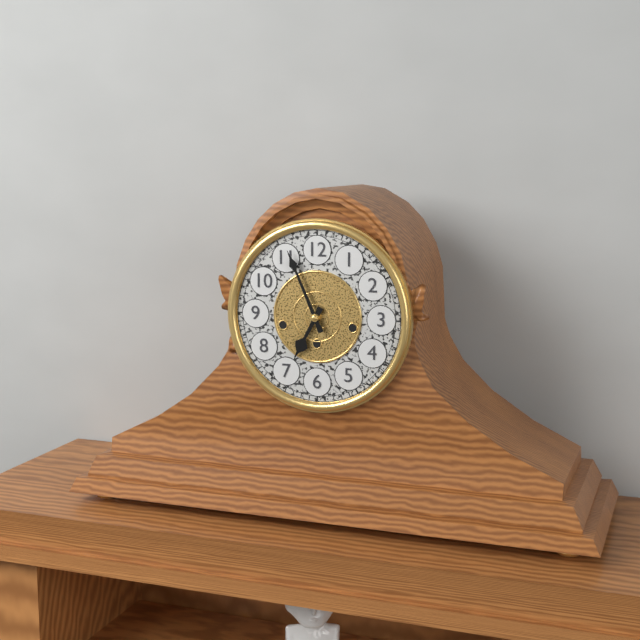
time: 6:56
